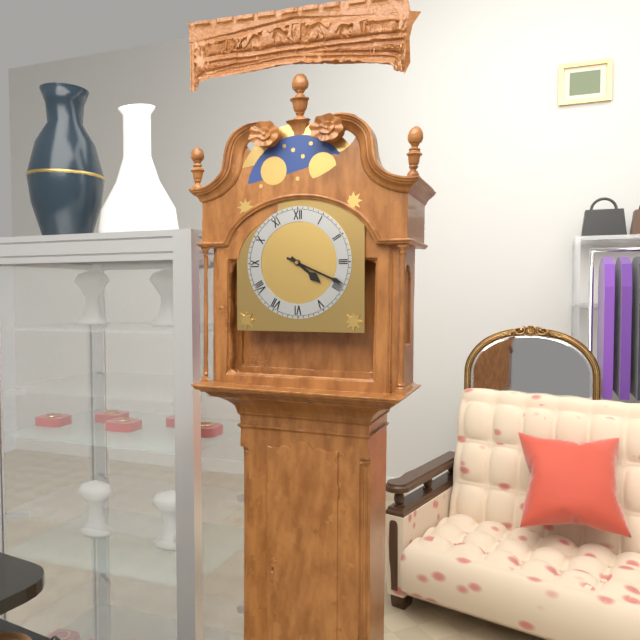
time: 4:19
